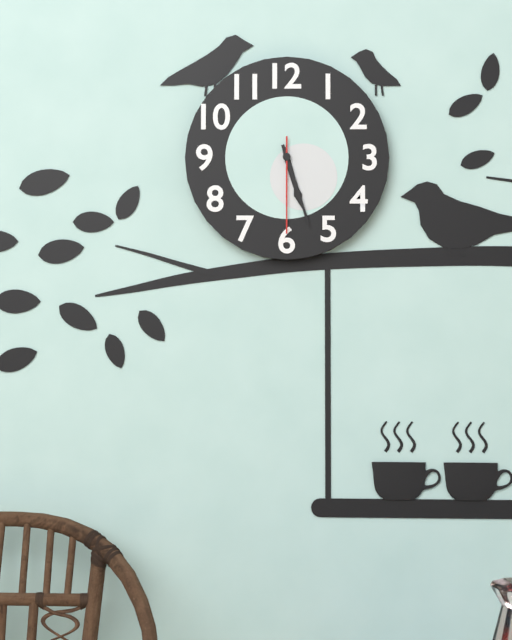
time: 5:27:30
